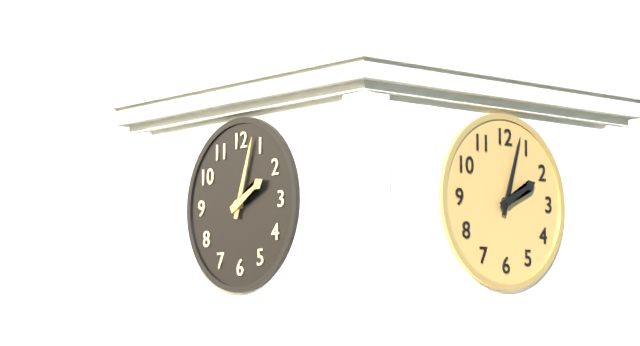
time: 2:03
